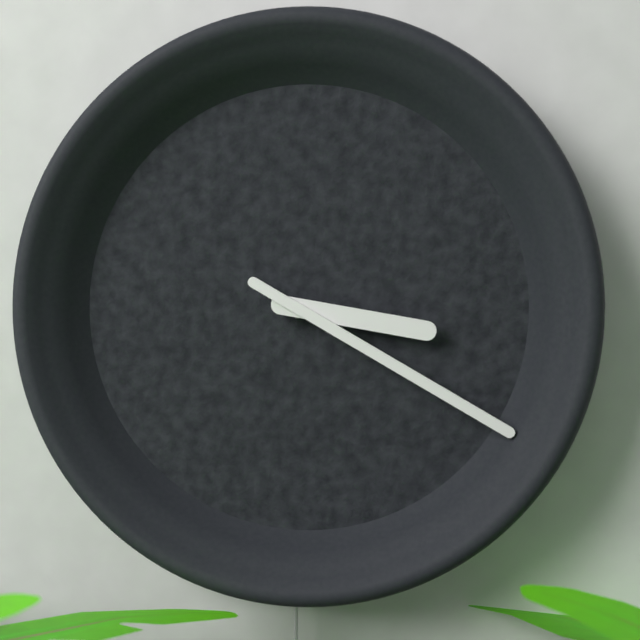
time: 3:20
